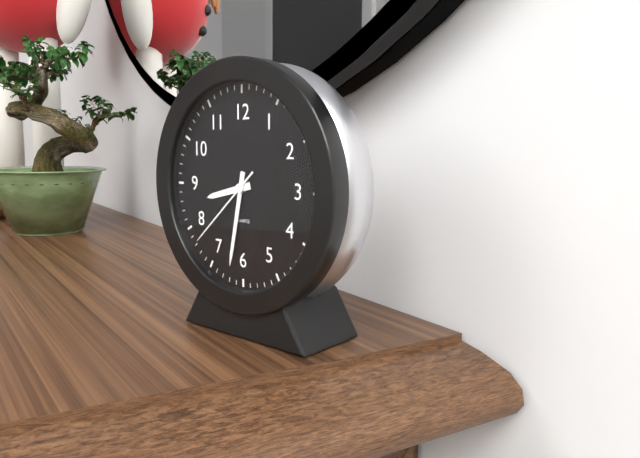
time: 8:32:38
